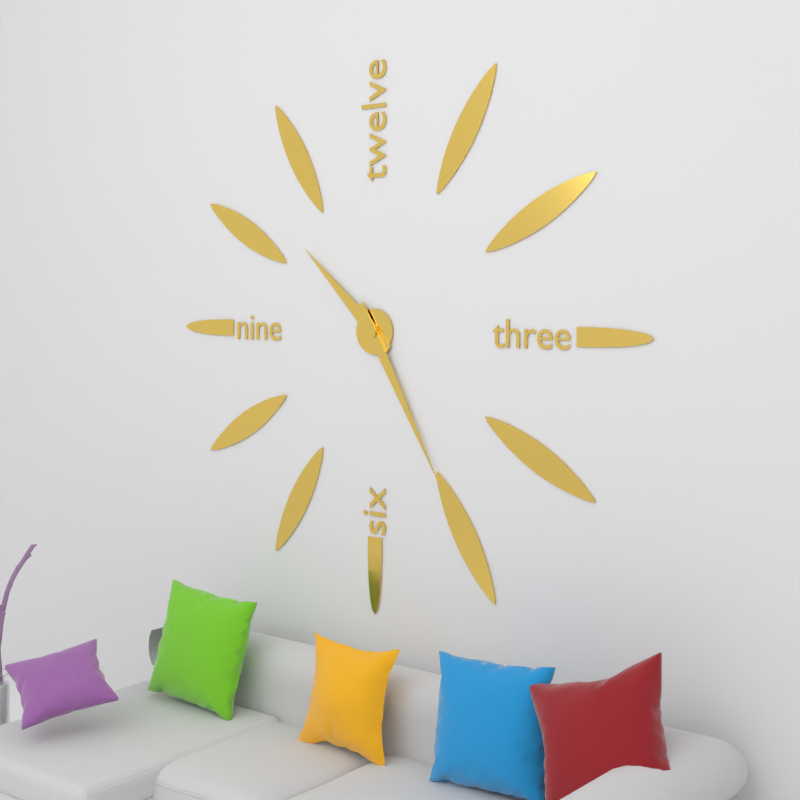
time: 10:25
